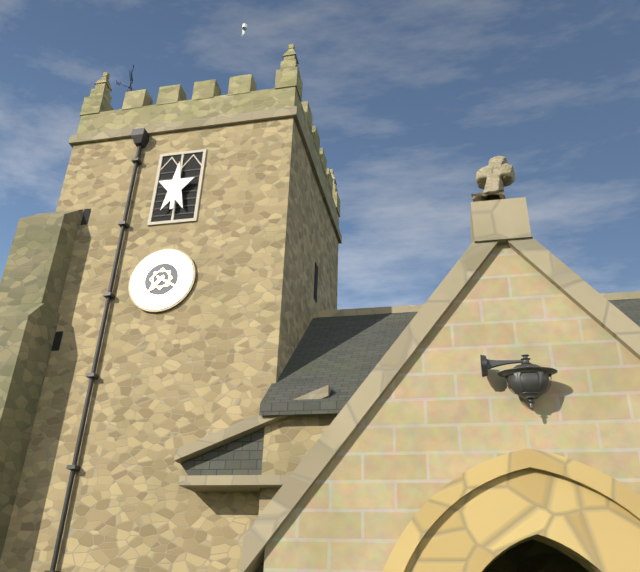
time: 7:20
